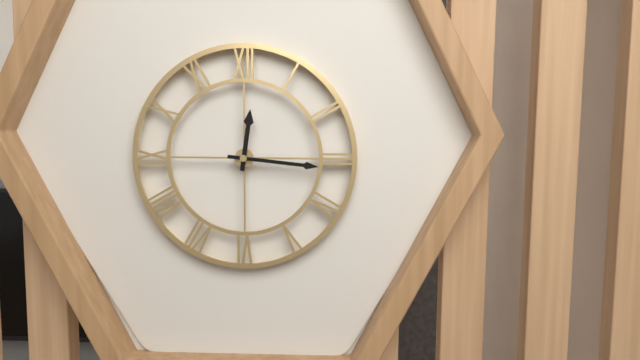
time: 12:16
